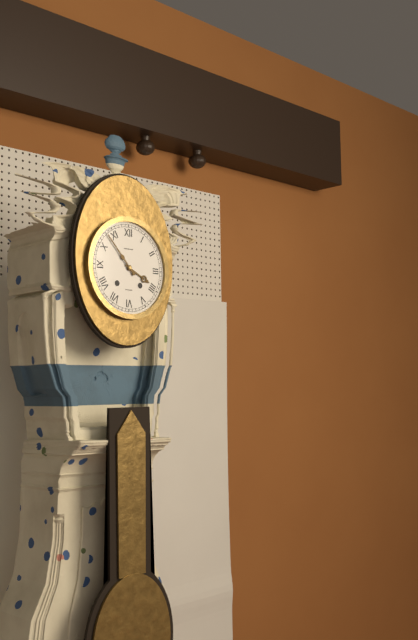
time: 3:53
